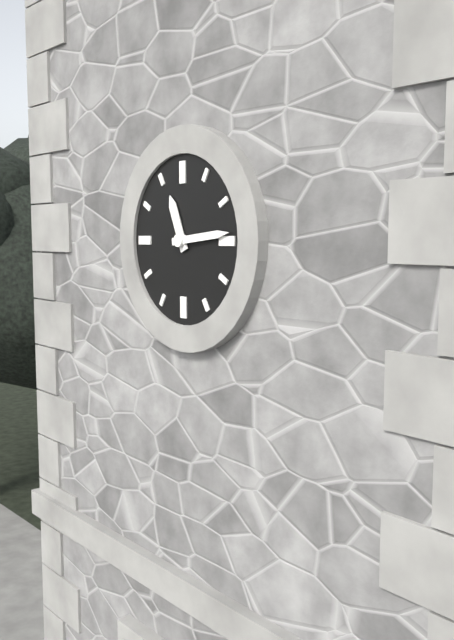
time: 11:14
